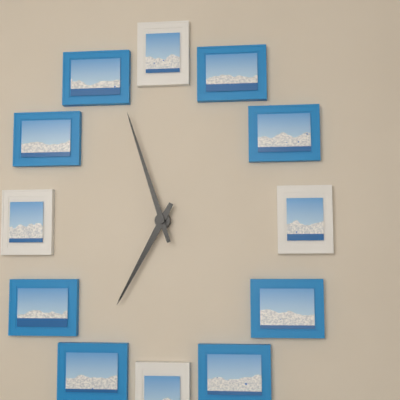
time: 6:57
